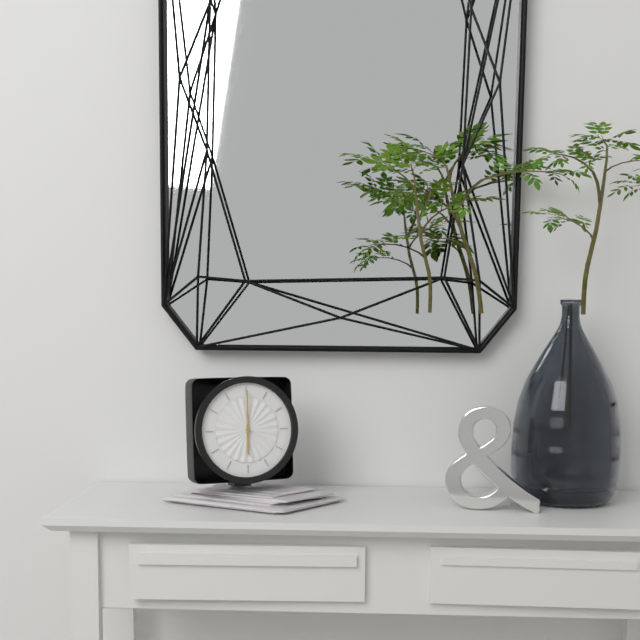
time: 6:00
